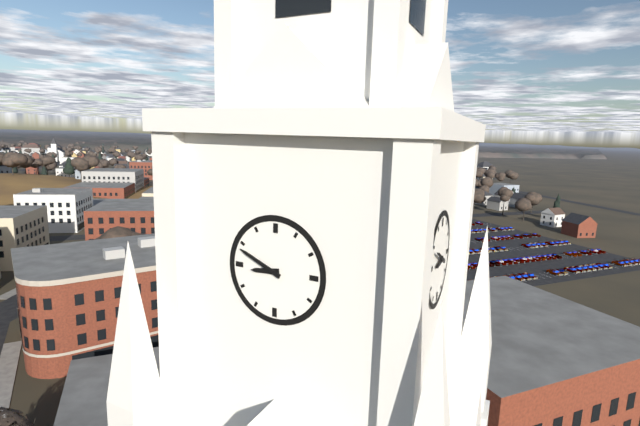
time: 8:49
